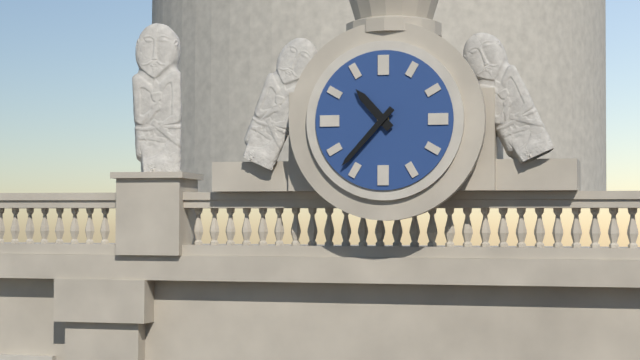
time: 10:37
